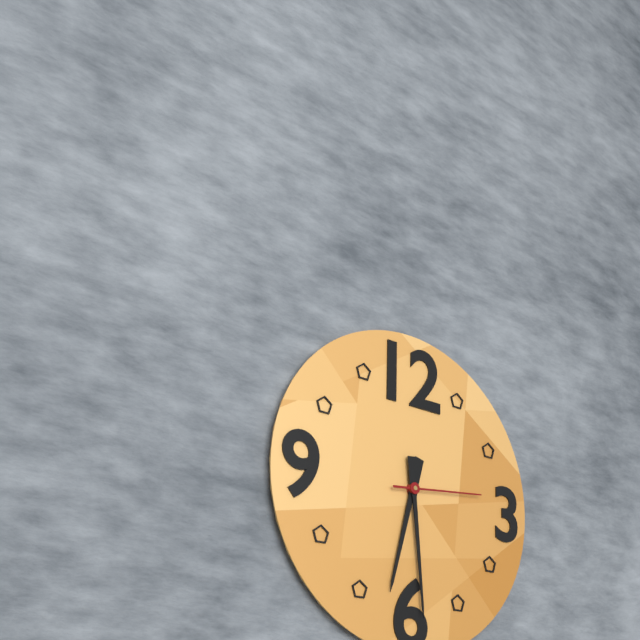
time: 6:29:14
